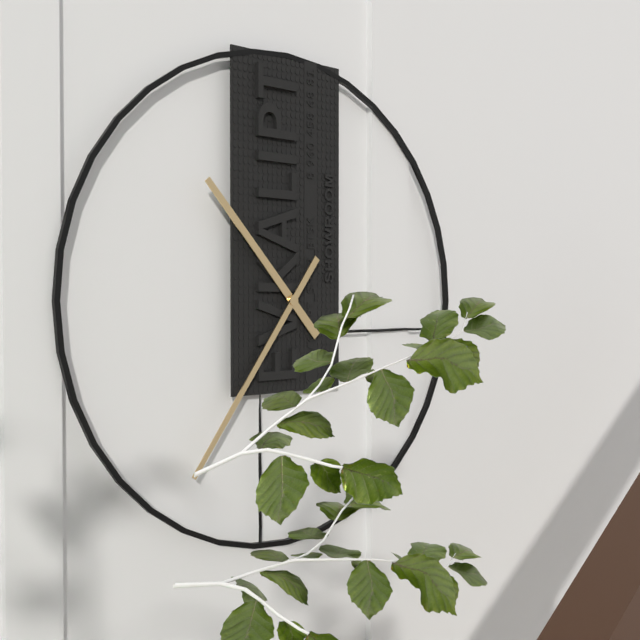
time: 10:36
